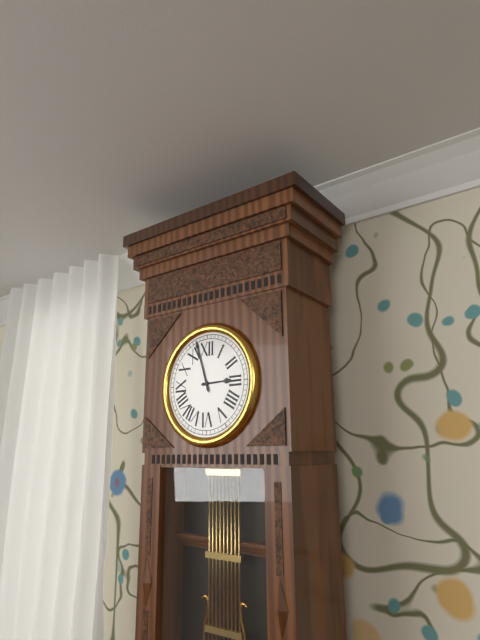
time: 2:57
